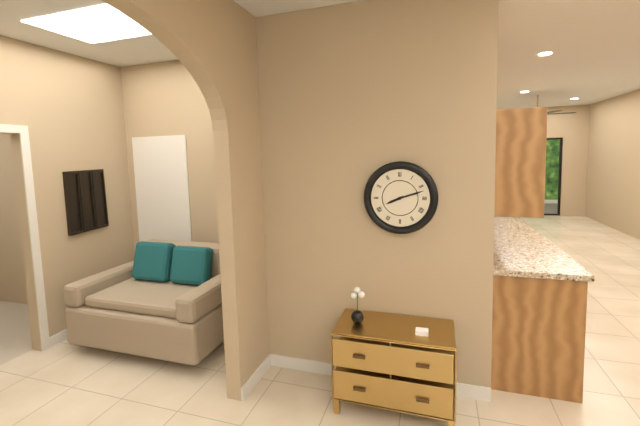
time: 8:12
